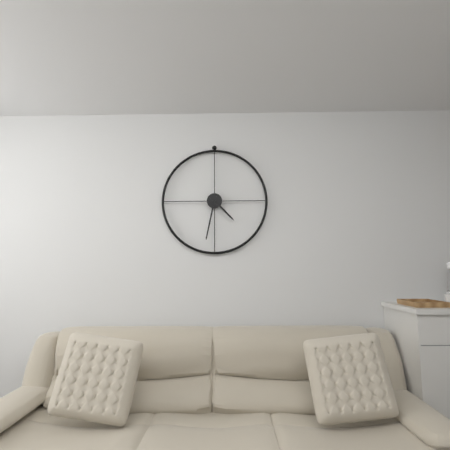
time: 4:32
